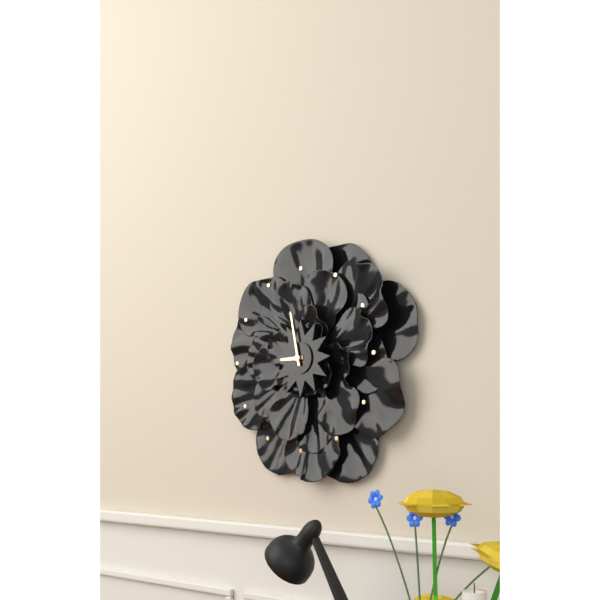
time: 8:58
